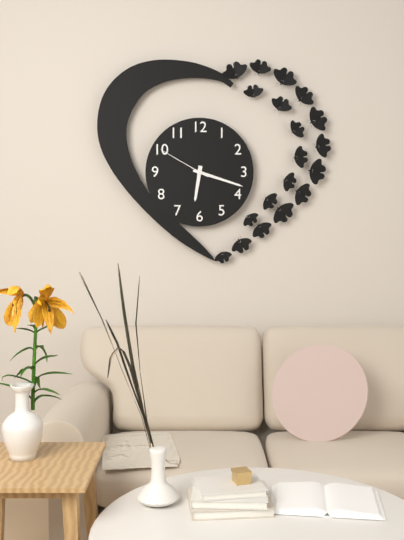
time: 6:18:50
